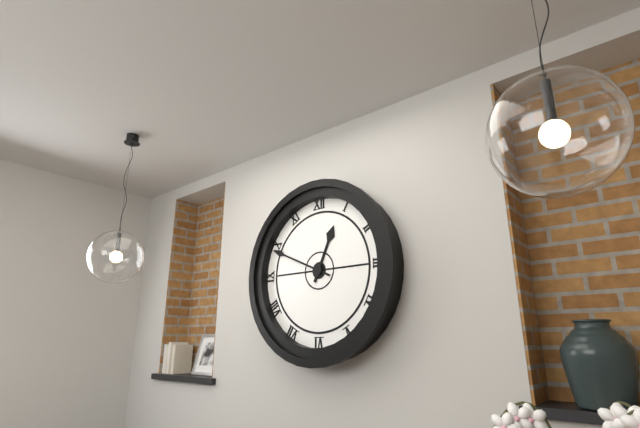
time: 12:49
